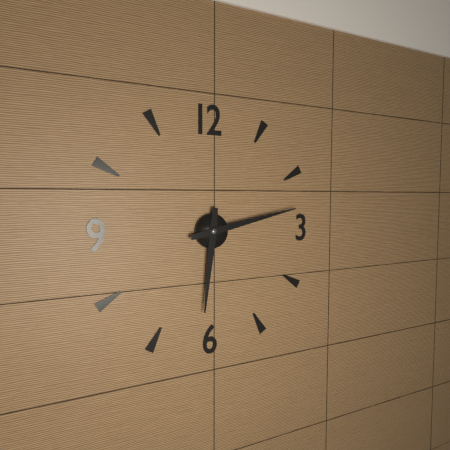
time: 6:13
